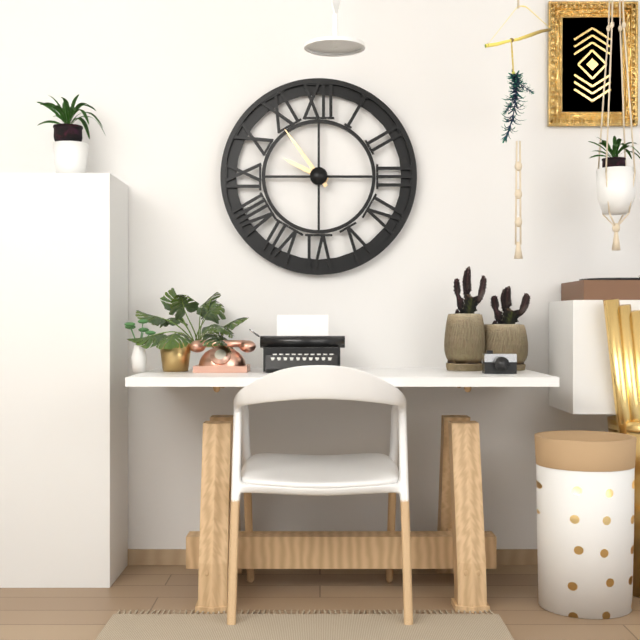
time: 9:54
